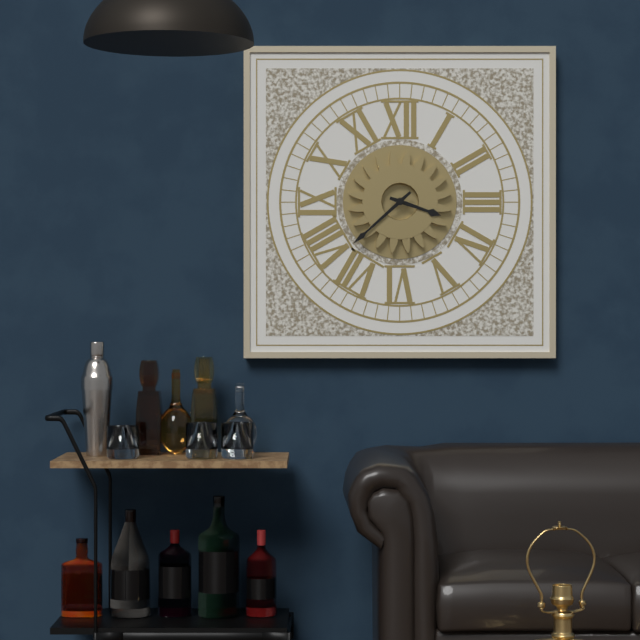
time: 3:38
